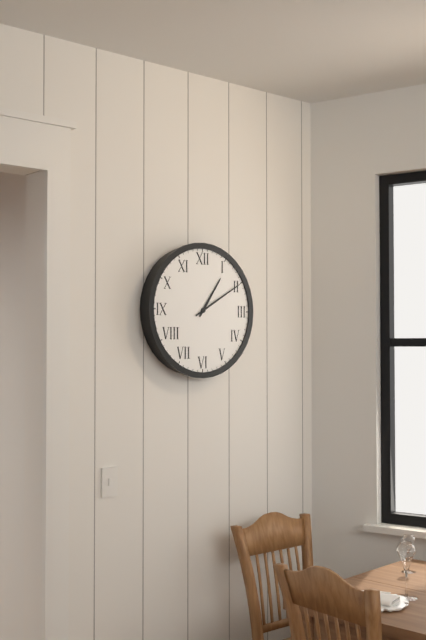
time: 1:10
